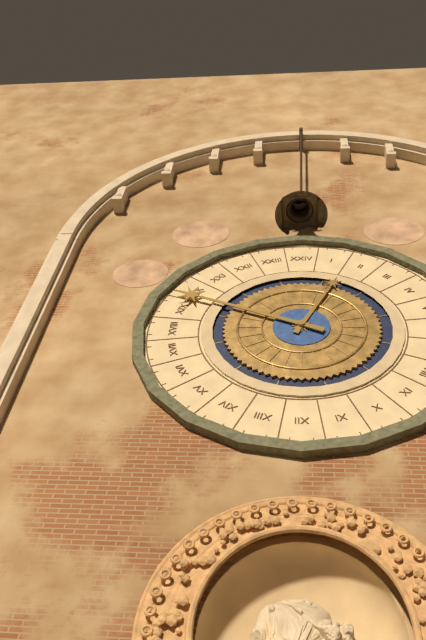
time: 12:49
